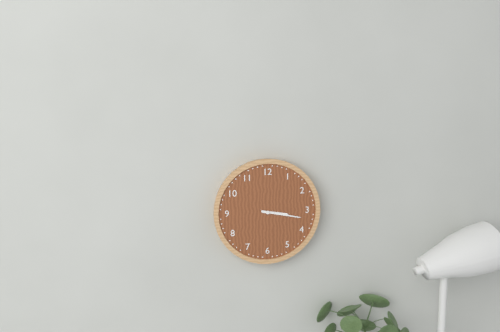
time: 3:17
